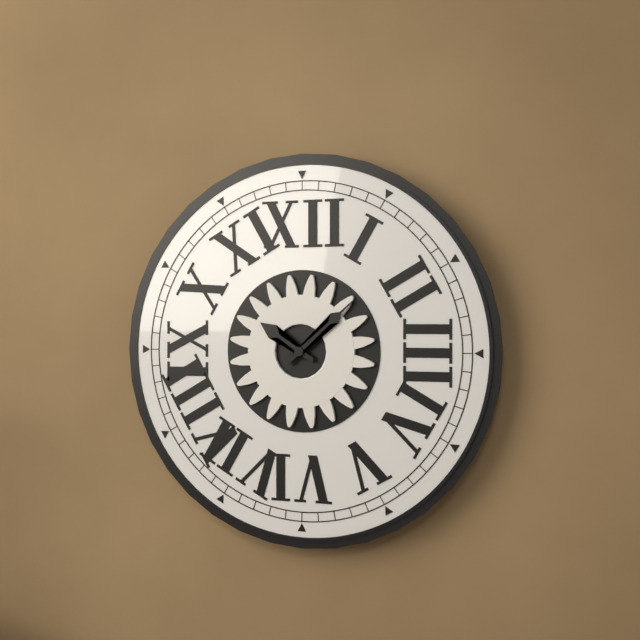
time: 10:08
